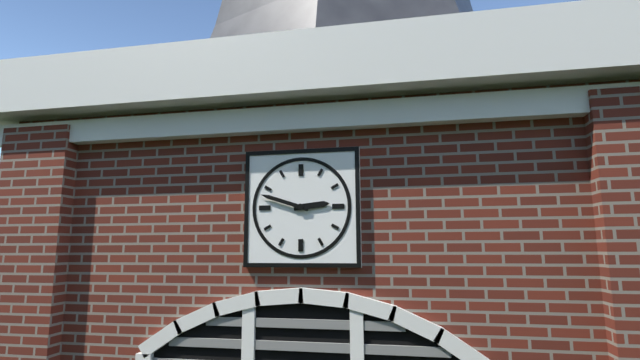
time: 2:48
